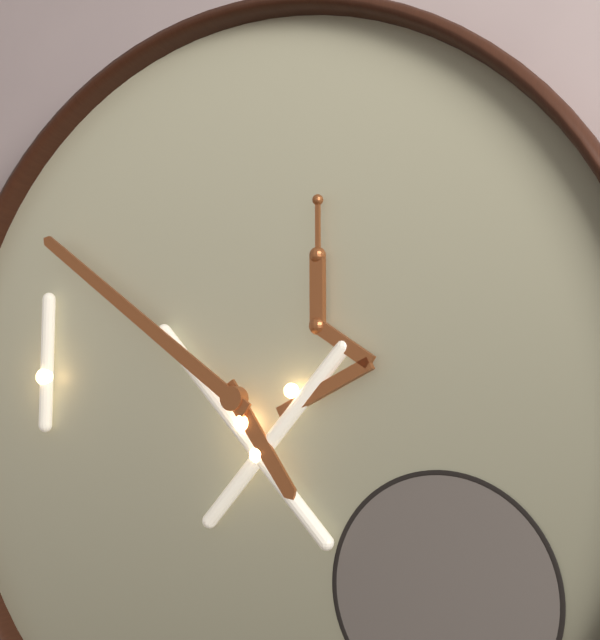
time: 4:51
